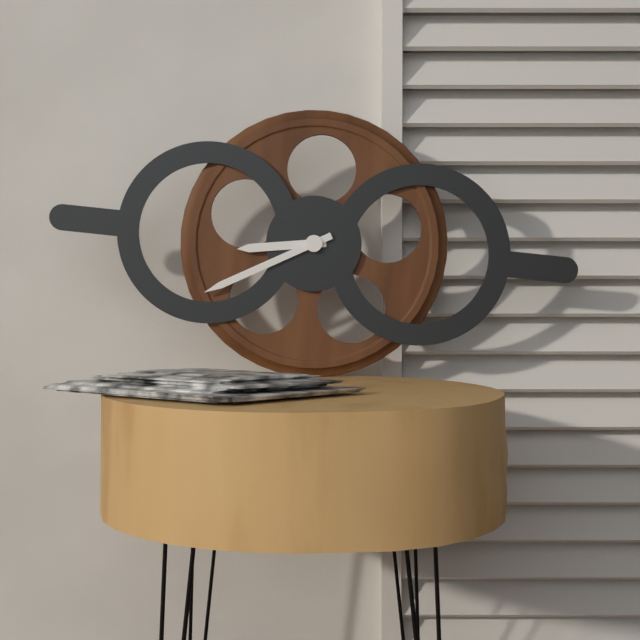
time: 8:40
